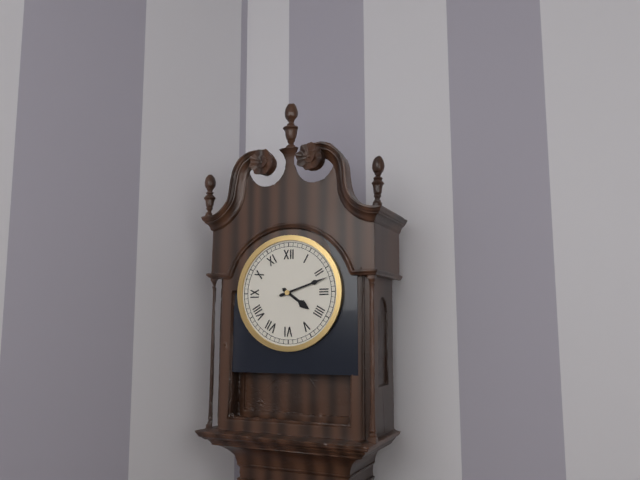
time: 4:12
